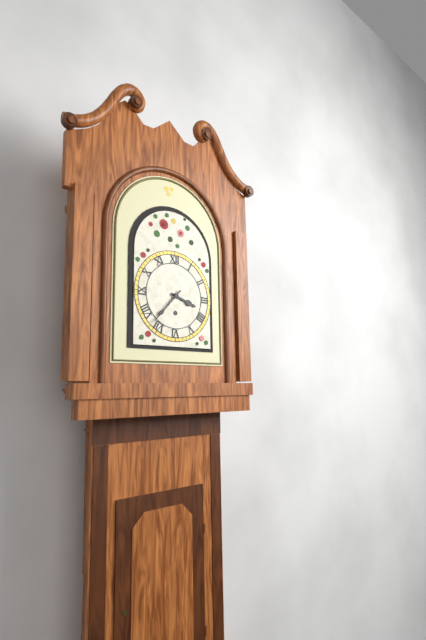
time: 3:37
